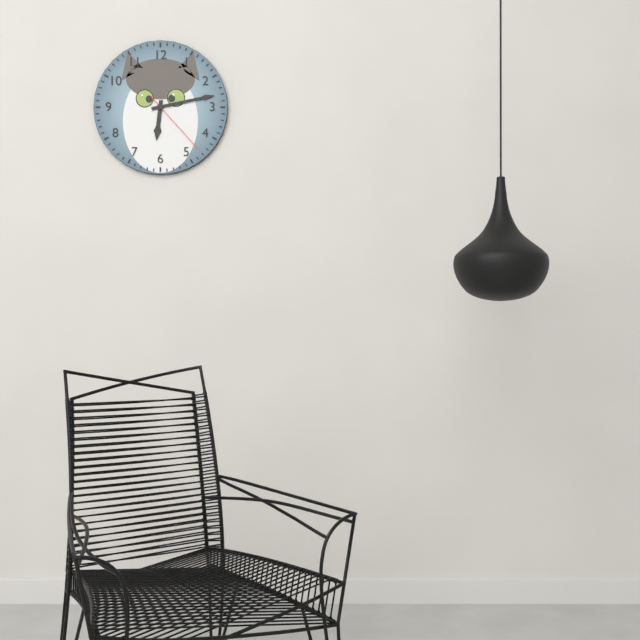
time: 6:13:23
